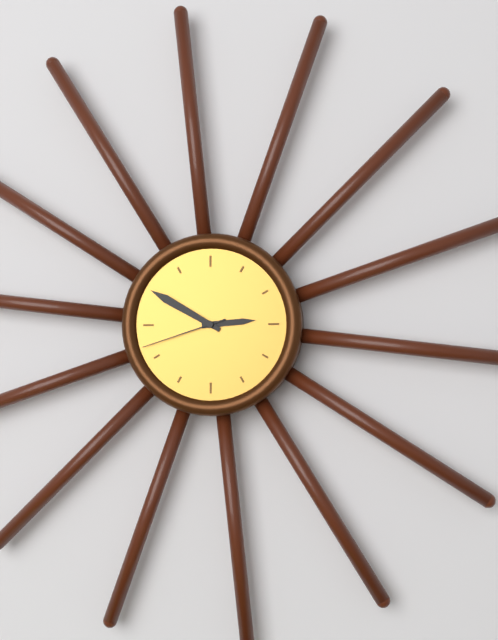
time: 2:50:42
